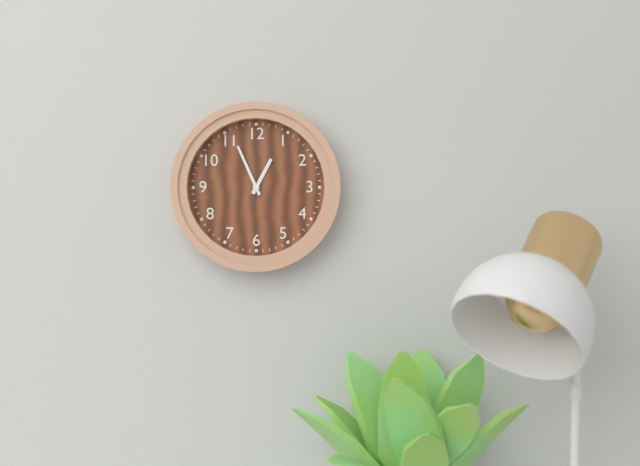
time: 12:56
